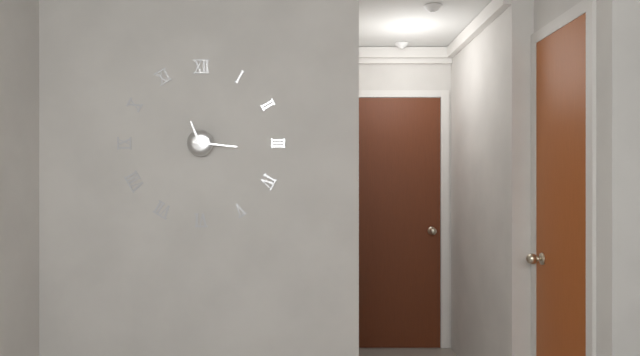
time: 11:16
